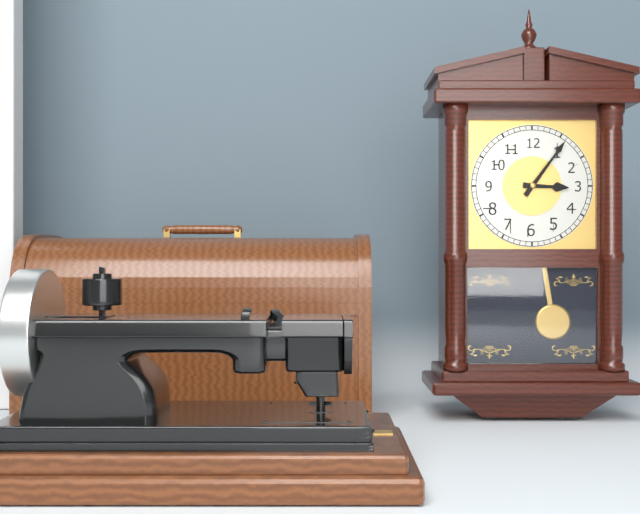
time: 3:06
